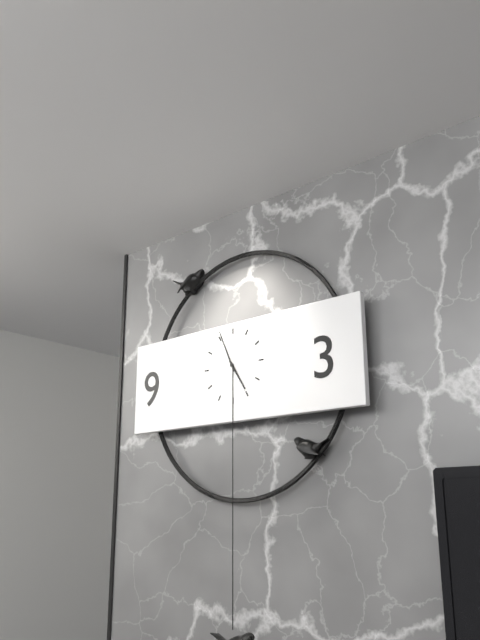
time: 4:56
